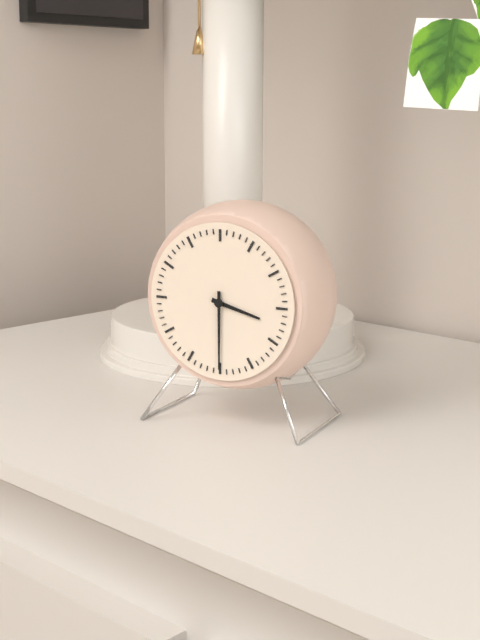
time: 3:30
